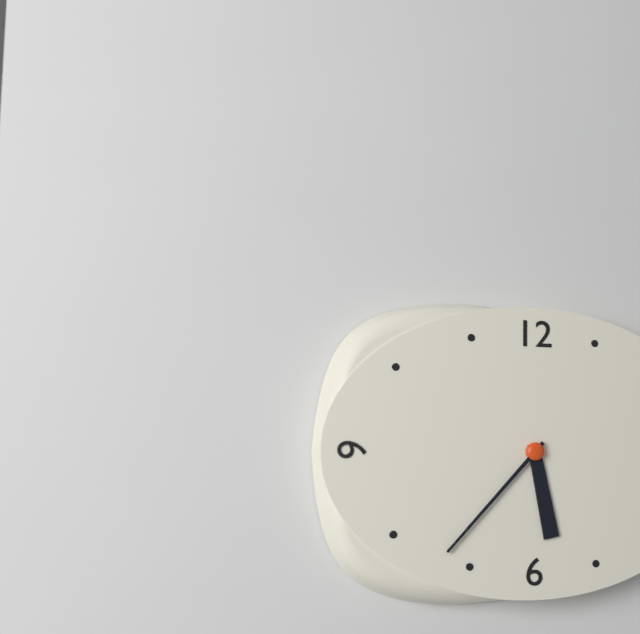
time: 5:37
